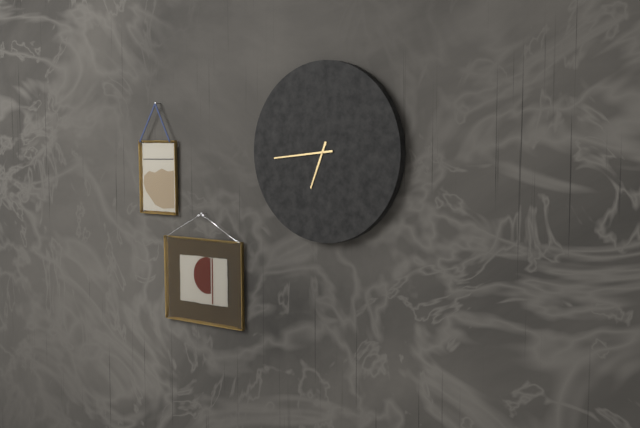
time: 6:44
